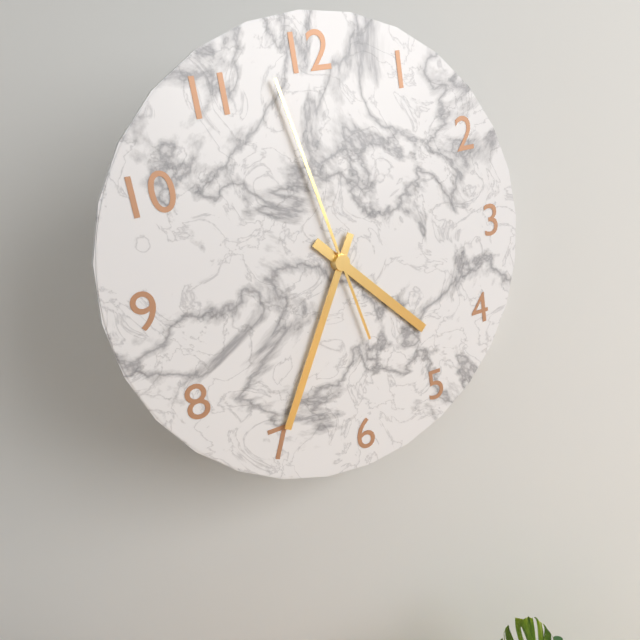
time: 4:35:58
